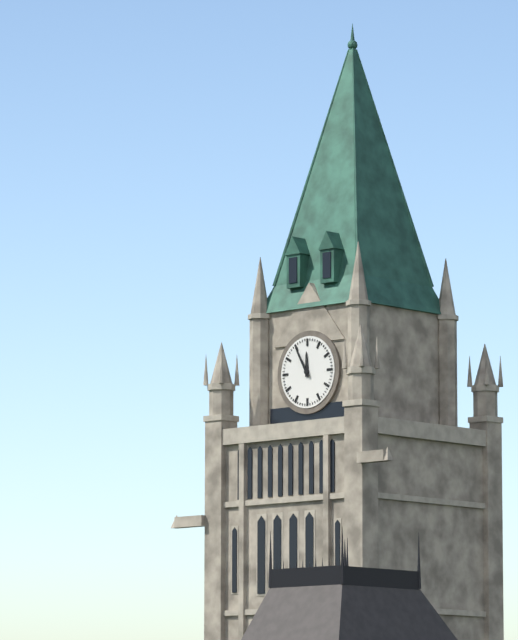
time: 11:55
